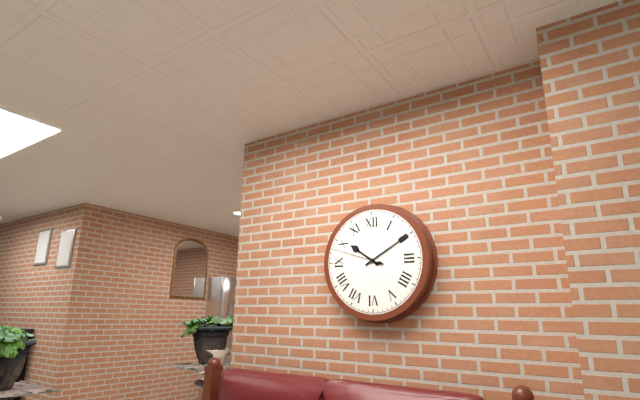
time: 10:10:48
